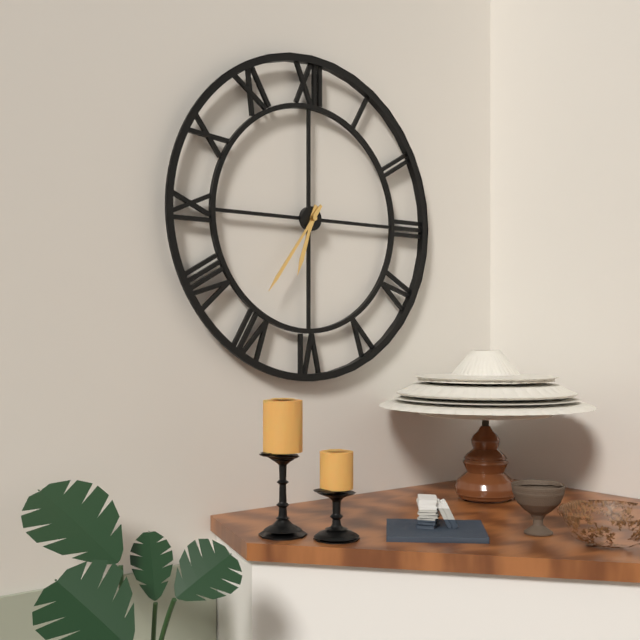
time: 6:36
